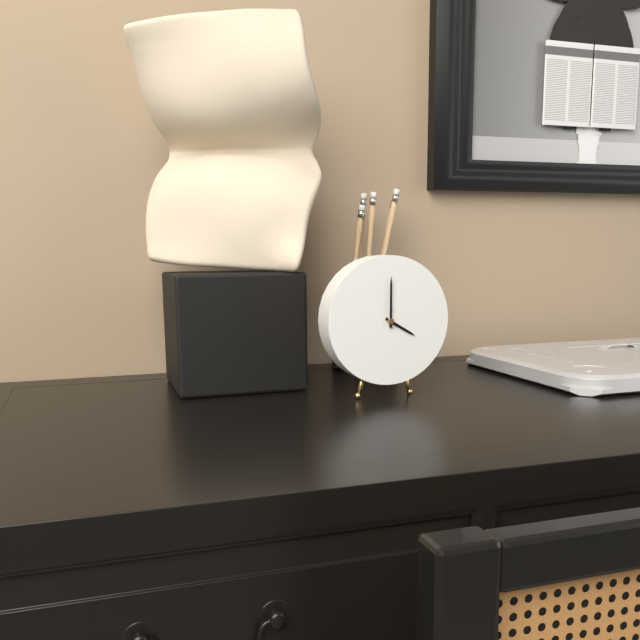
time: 4:00
